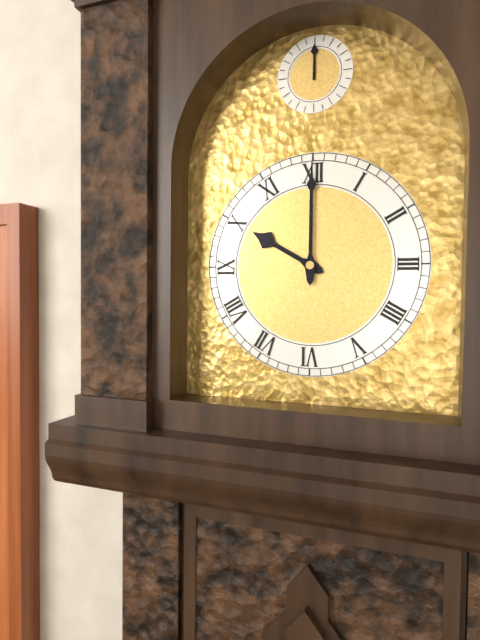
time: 10:00
